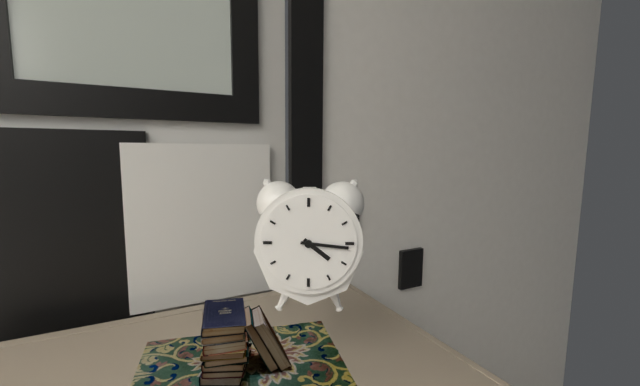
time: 4:16
